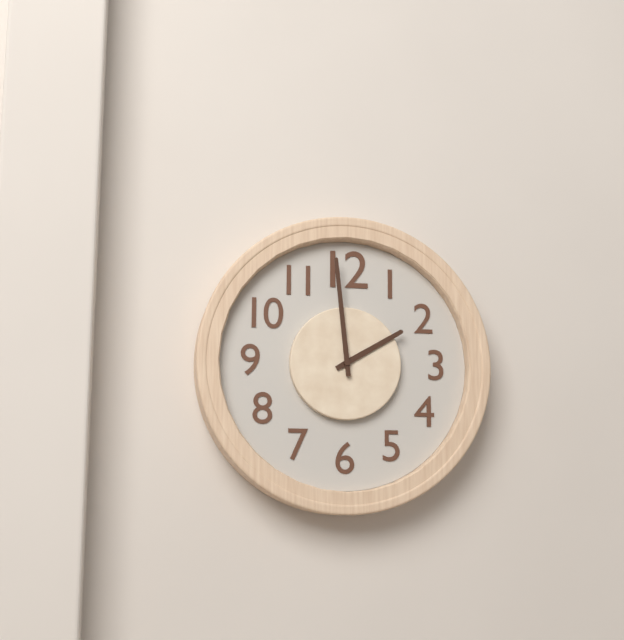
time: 1:59
